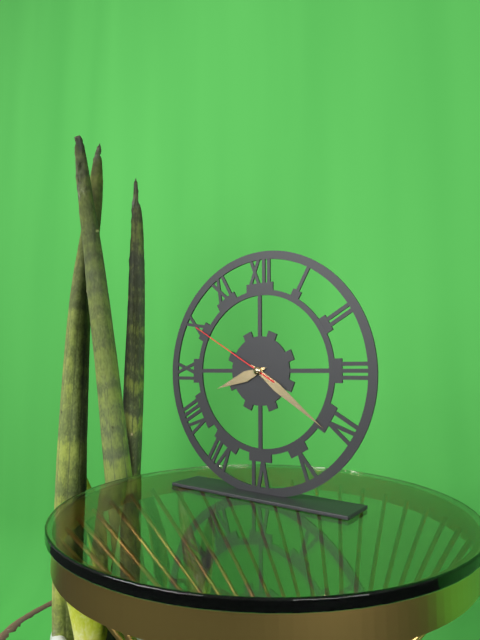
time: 8:21:50
